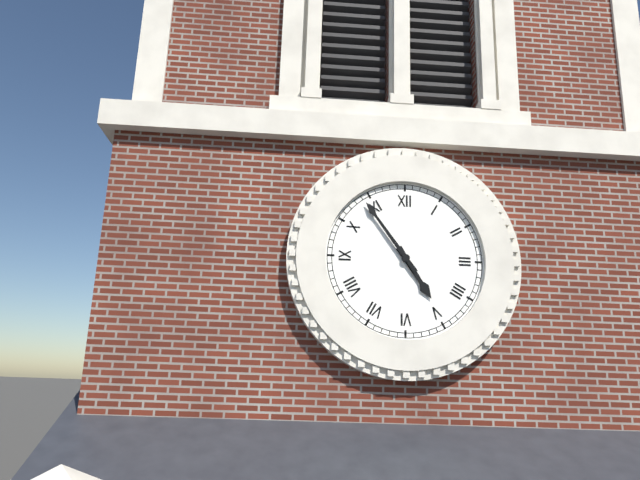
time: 4:54
